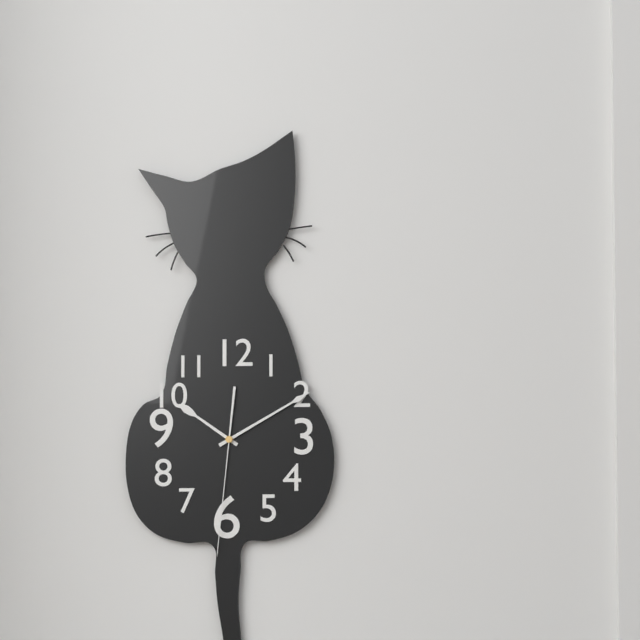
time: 10:10:31
